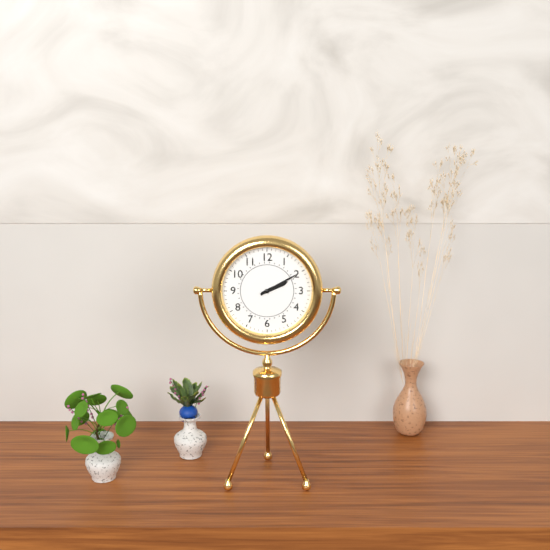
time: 2:10
